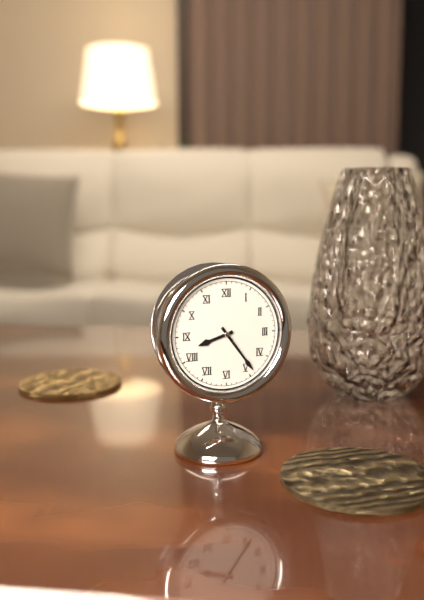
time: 8:24
